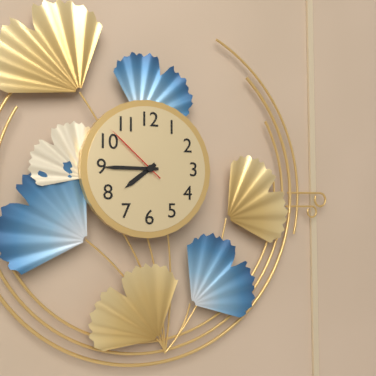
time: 7:45:52
